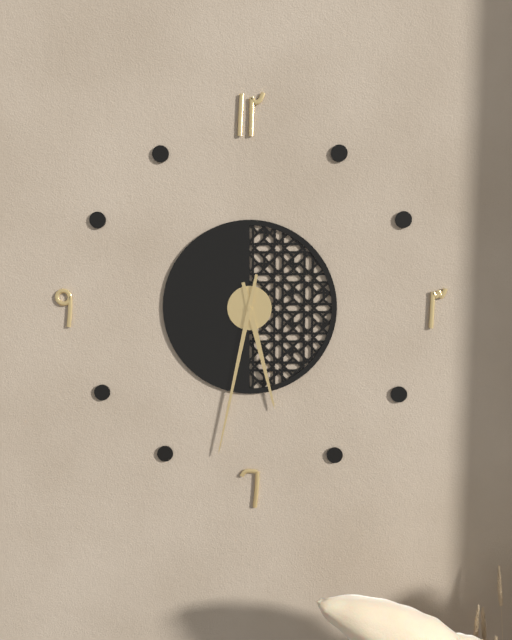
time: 5:32
